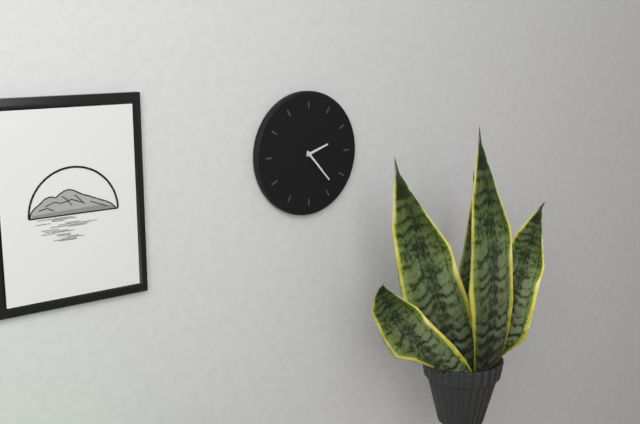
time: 2:23
